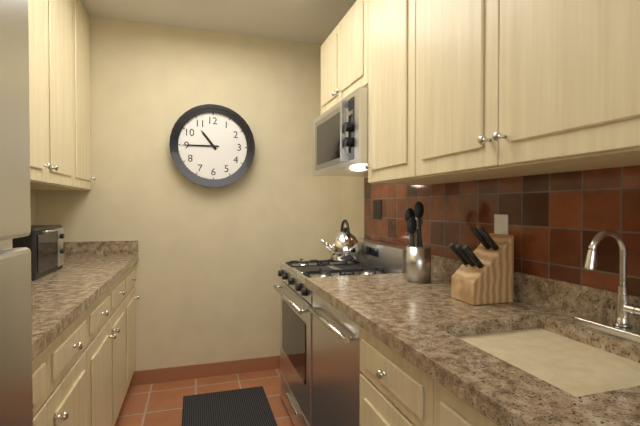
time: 10:45
